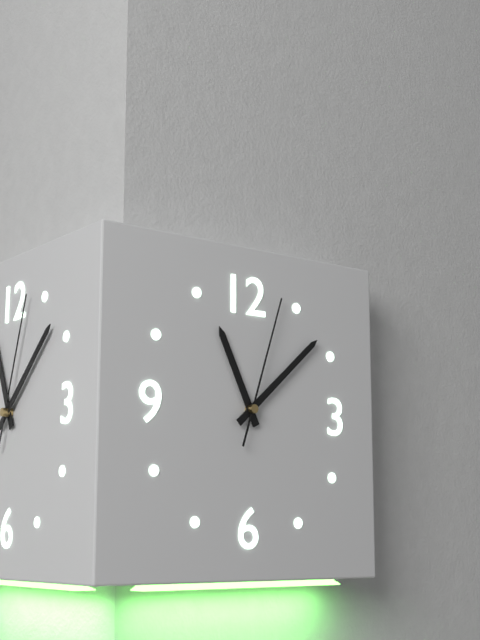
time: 11:08:03
